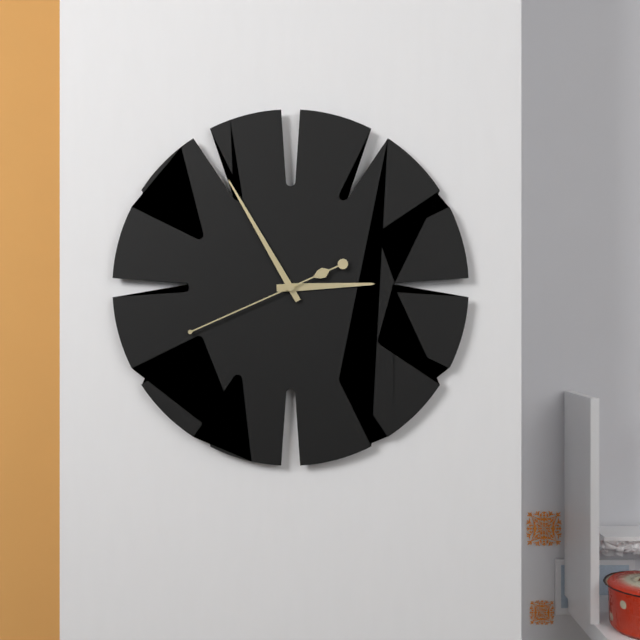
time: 2:55:41
